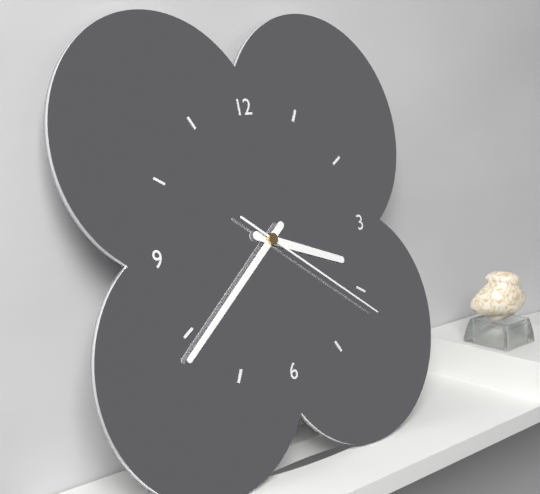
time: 3:39:21
